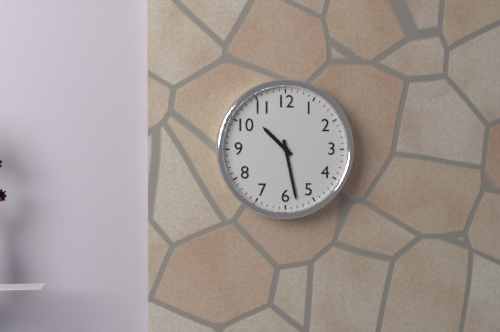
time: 10:28
